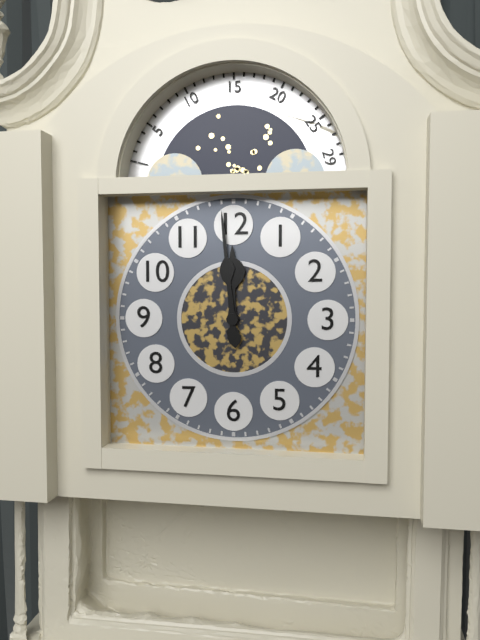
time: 11:59
